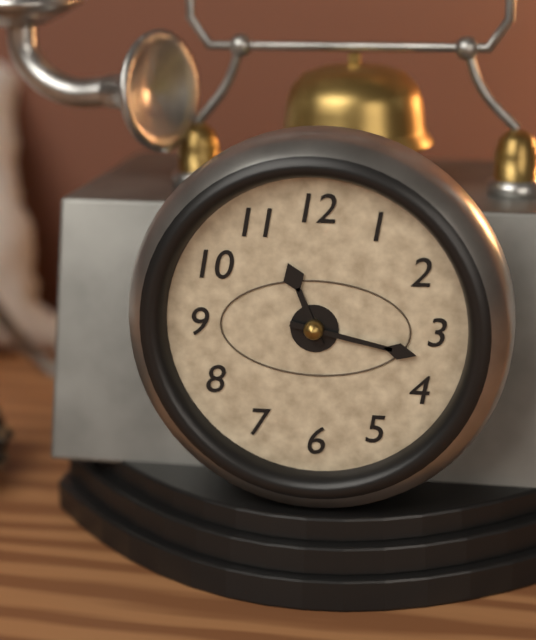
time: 11:17
